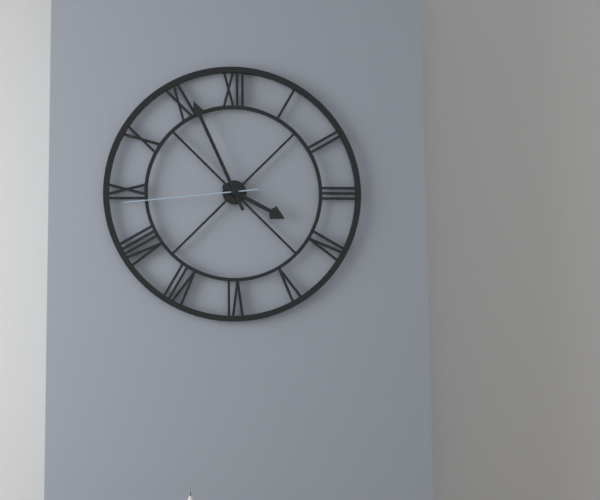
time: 3:56:44
